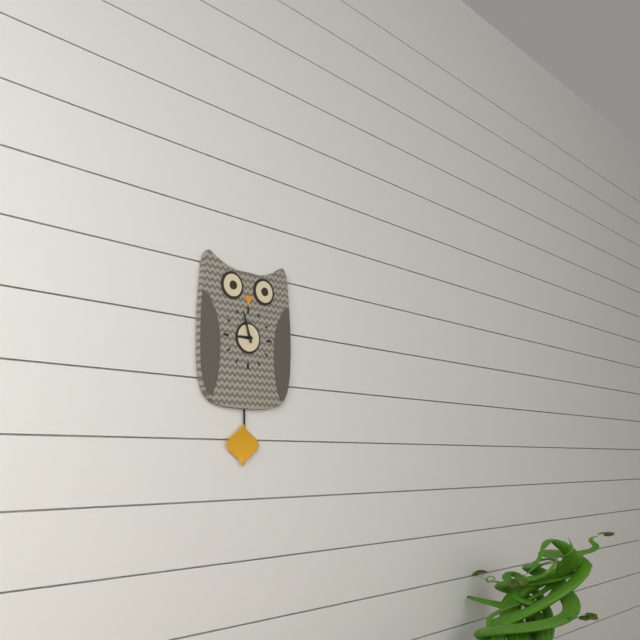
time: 8:57
